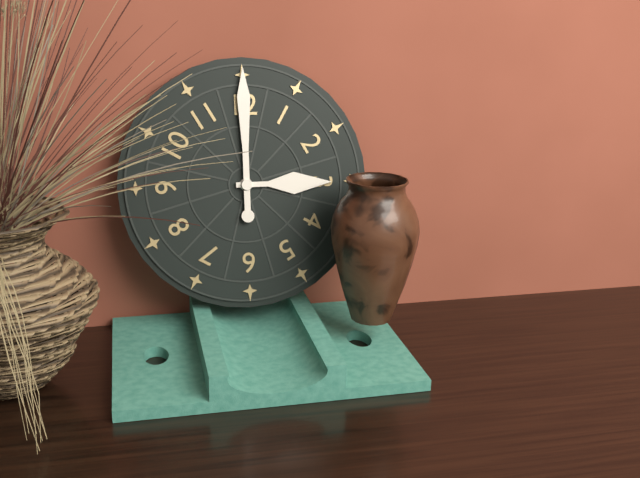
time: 3:00
